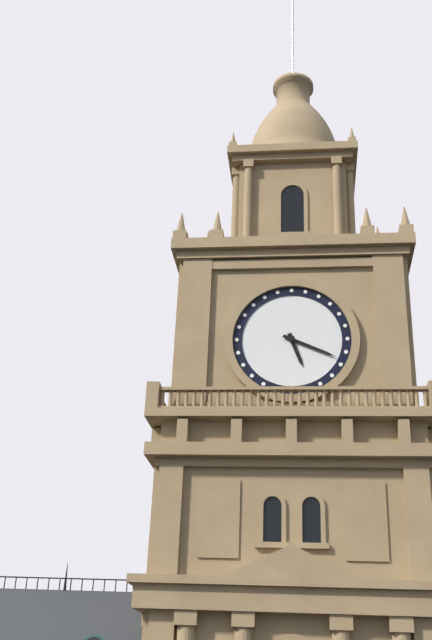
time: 5:19
